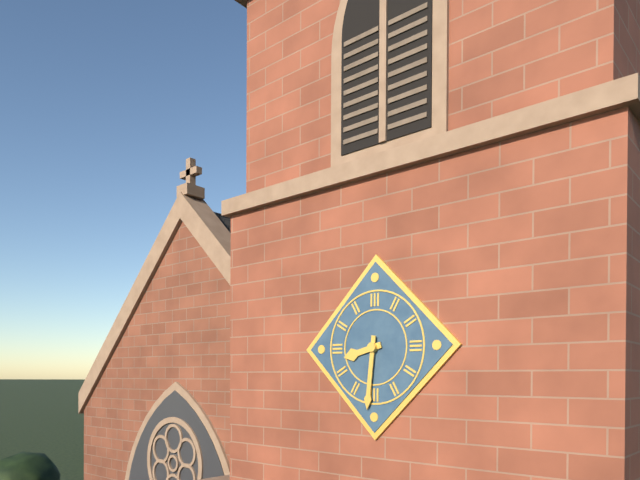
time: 8:31
